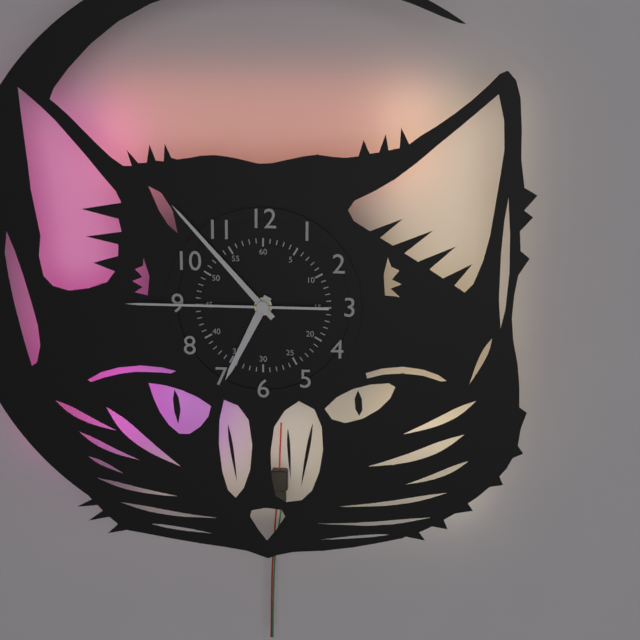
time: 6:53:45
